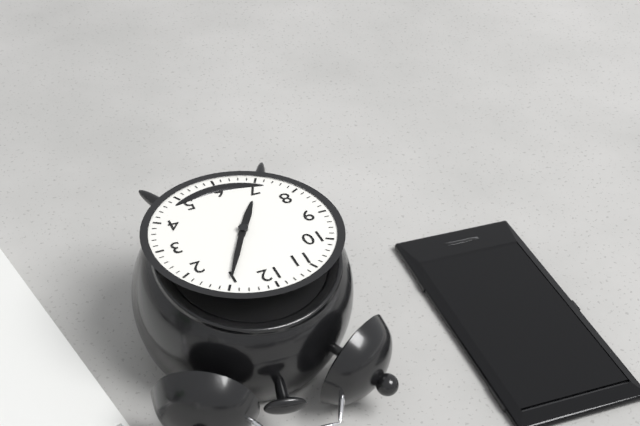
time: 7:05
